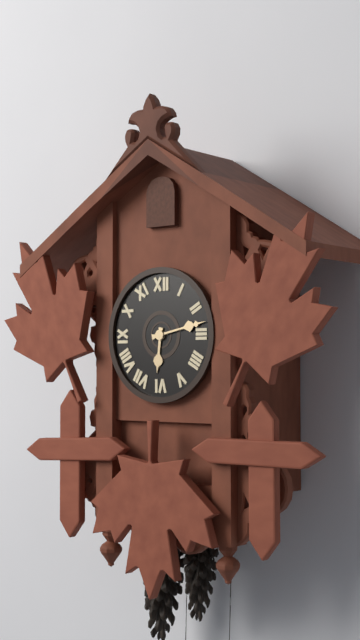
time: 6:13
